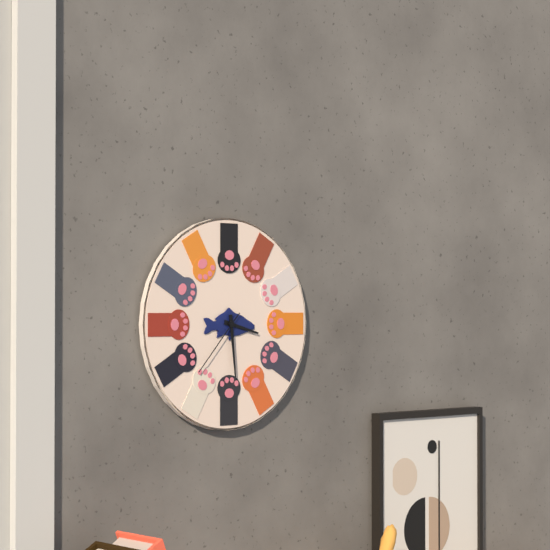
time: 3:29:37
